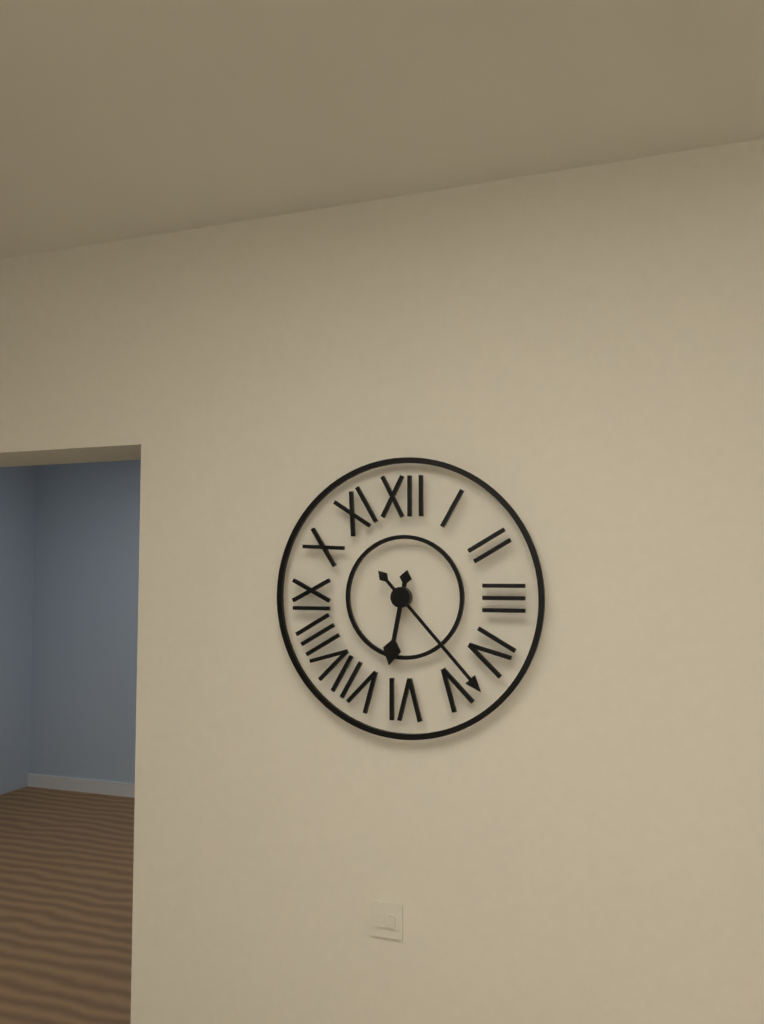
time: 6:23
